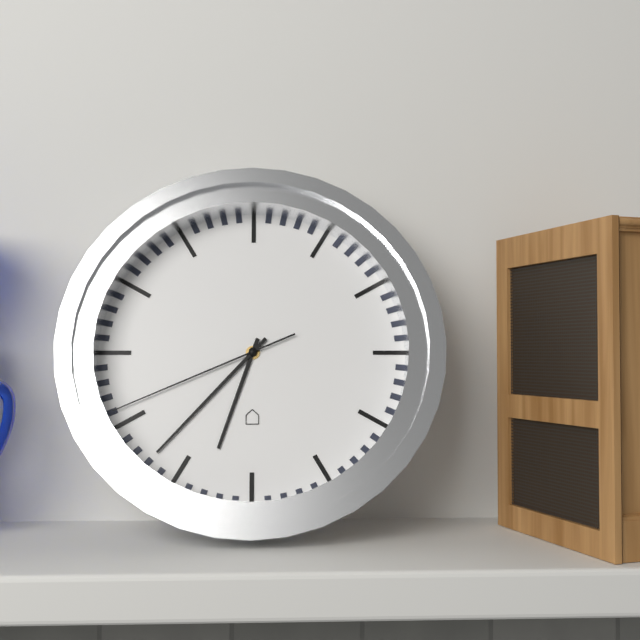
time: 6:37:41
